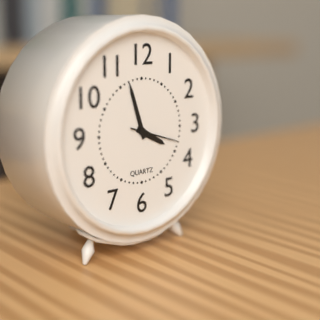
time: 3:57:18
